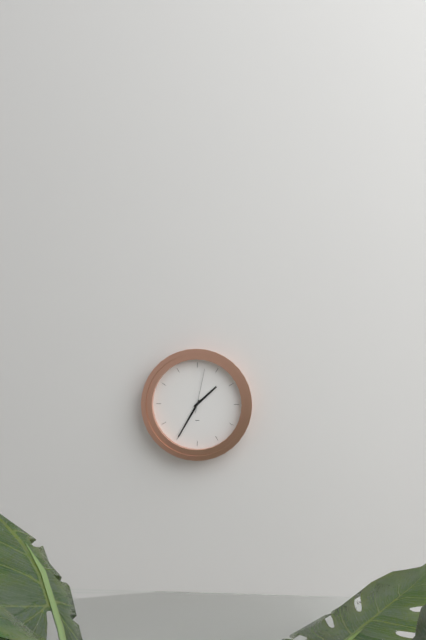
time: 1:35
